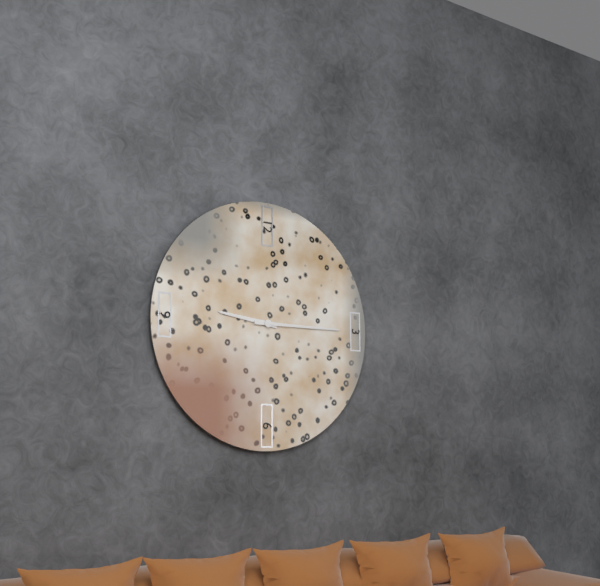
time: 9:15
